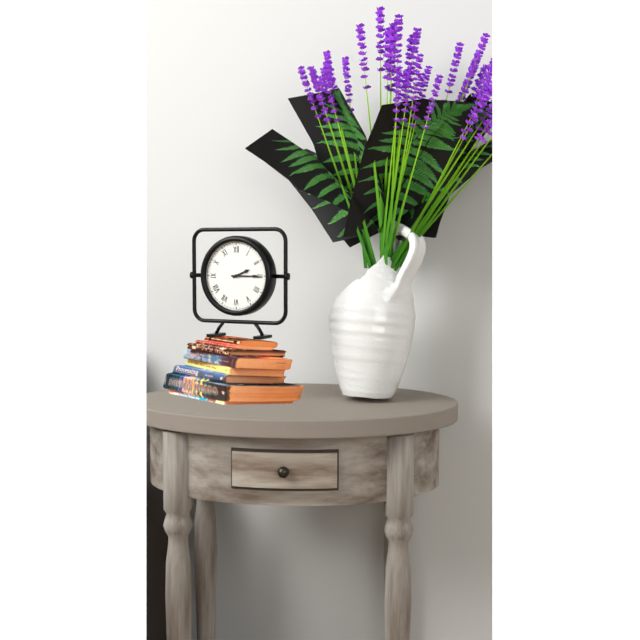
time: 2:15
